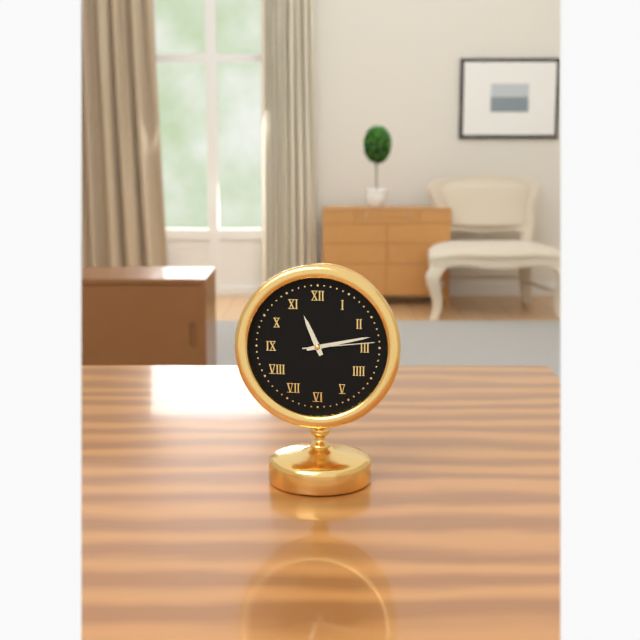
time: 11:13:14
